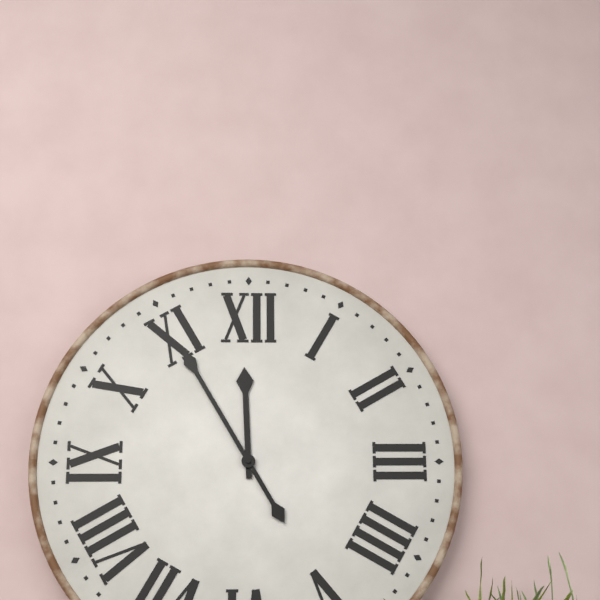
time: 11:55
